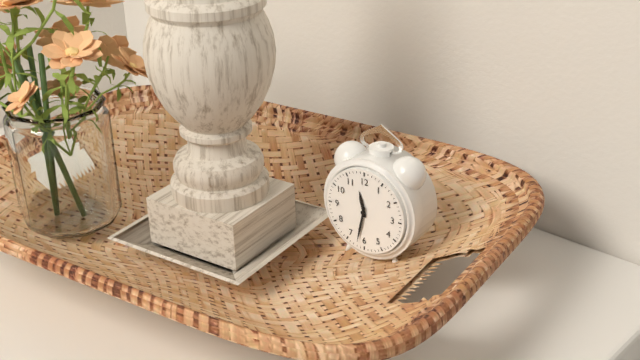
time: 11:32
